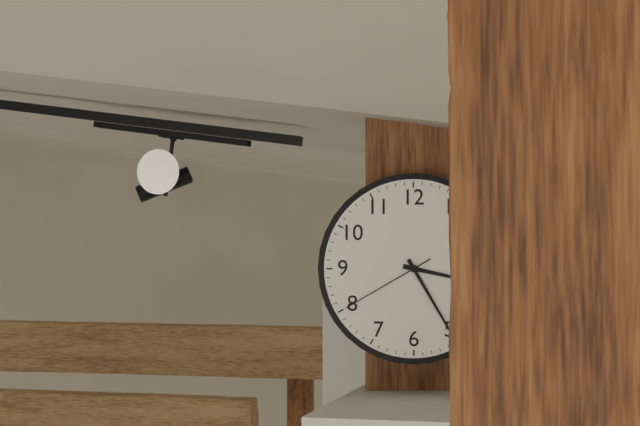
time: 3:25:40
